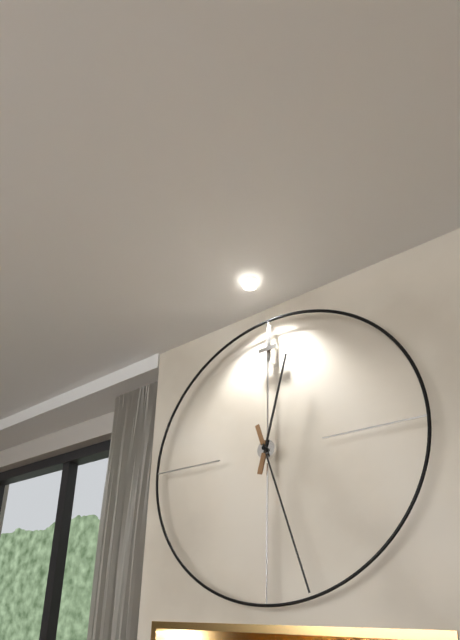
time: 12:27
